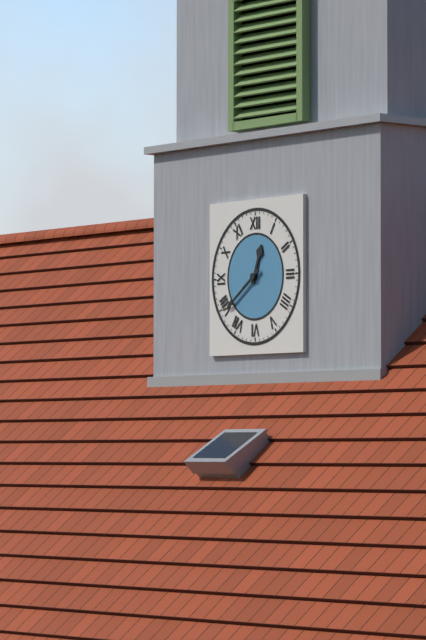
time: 12:39
